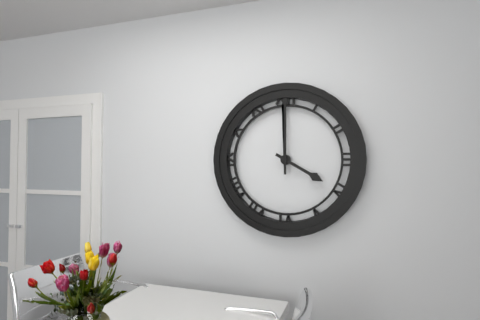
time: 4:00
